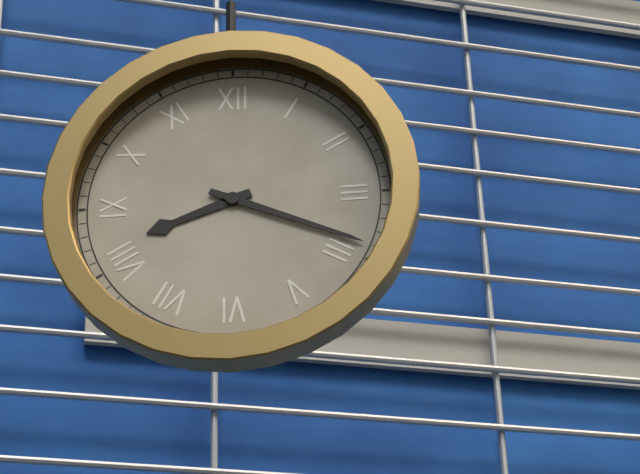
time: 8:19
